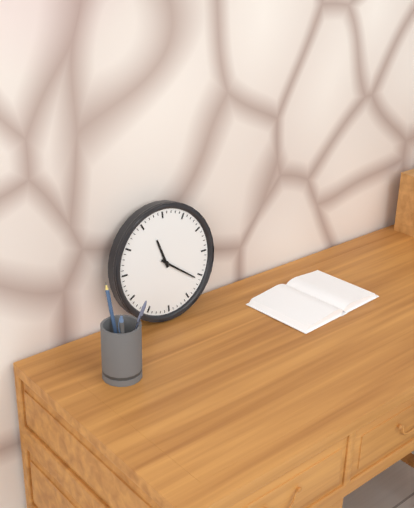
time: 11:21
